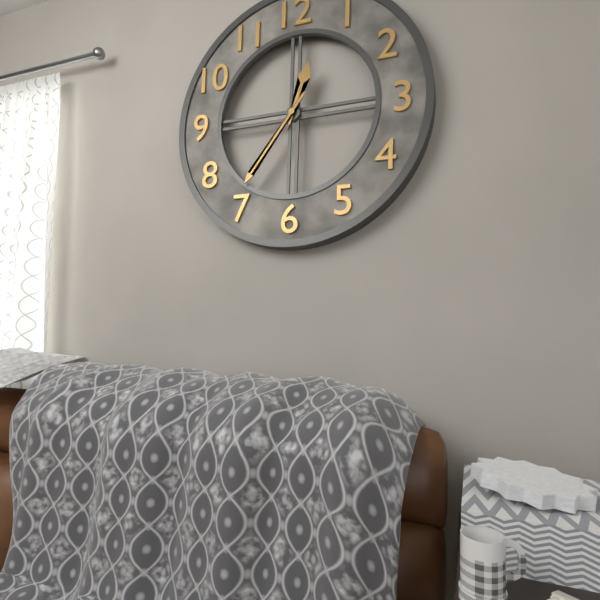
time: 12:36
